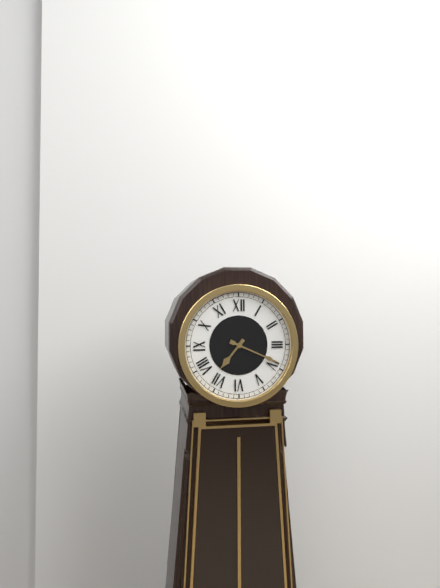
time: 7:19
